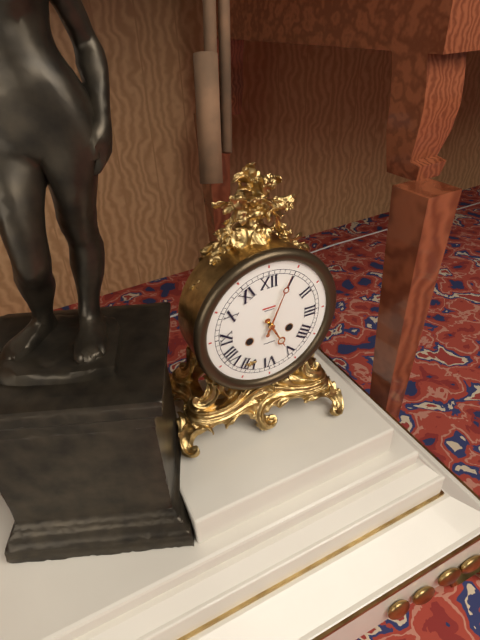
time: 5:04
